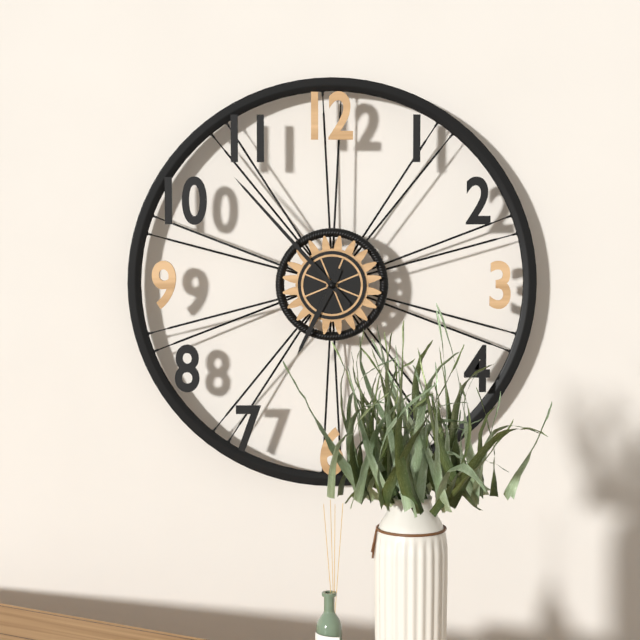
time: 6:53
